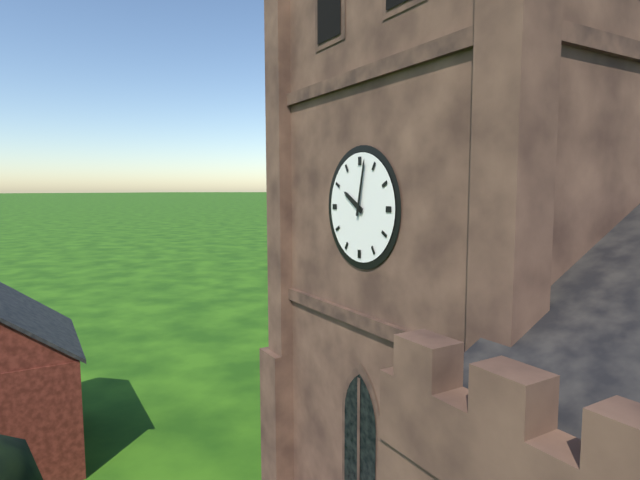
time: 10:02
